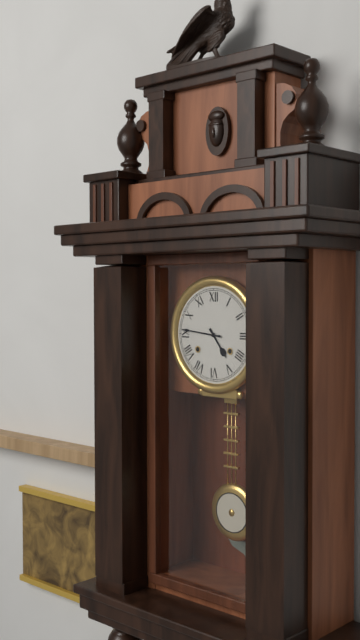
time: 4:46
